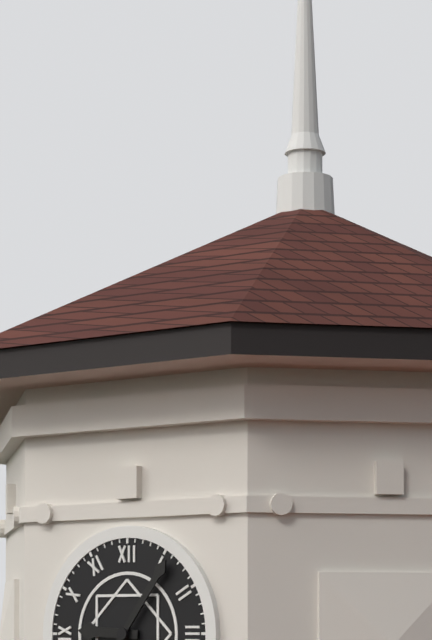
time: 9:06
